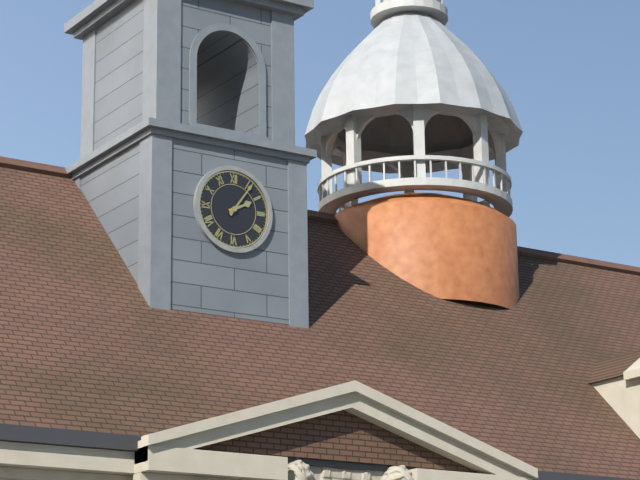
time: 2:06
